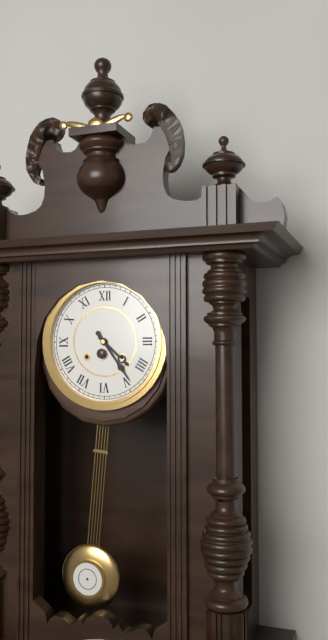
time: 4:24
